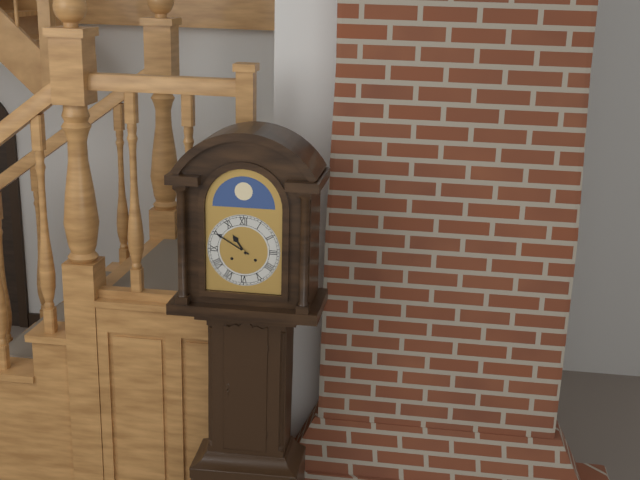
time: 10:50
